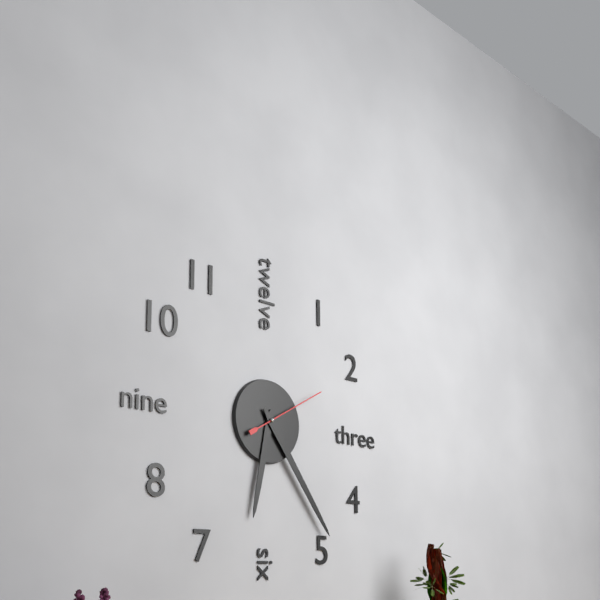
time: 6:24:10
